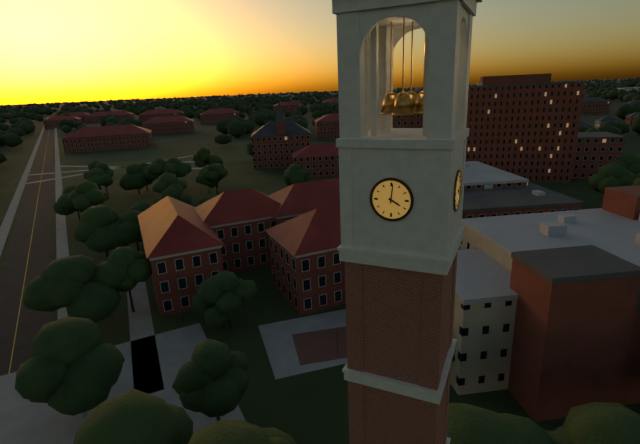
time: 4:01
